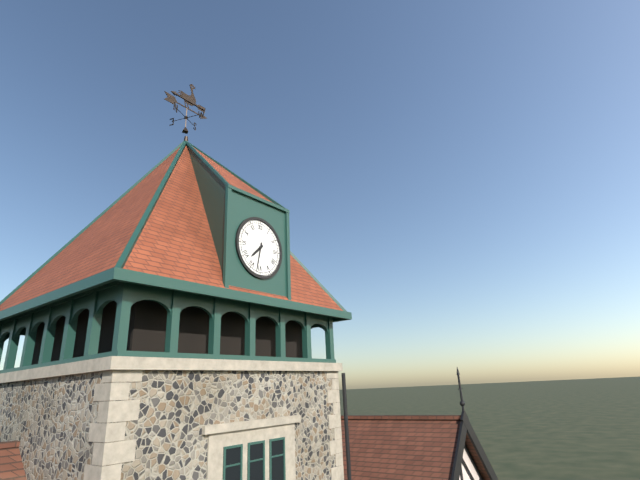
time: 7:32
